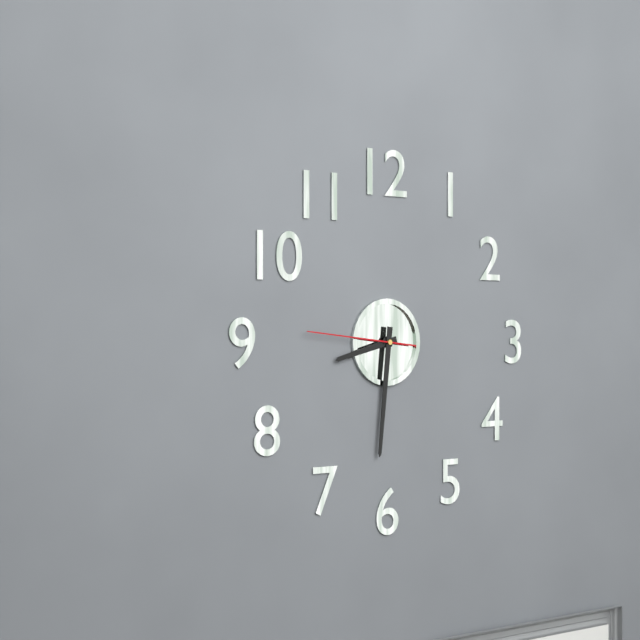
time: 8:31:46
